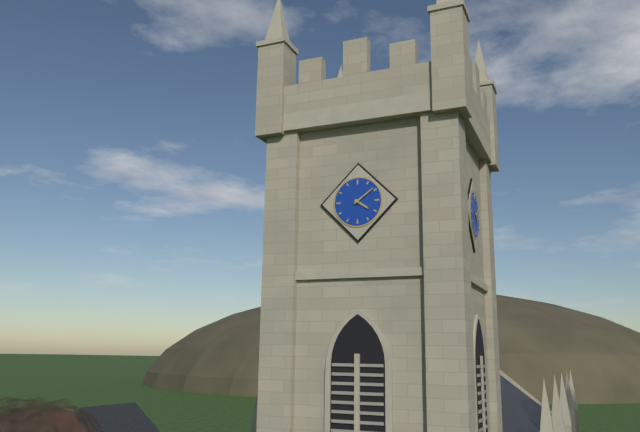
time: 4:09
